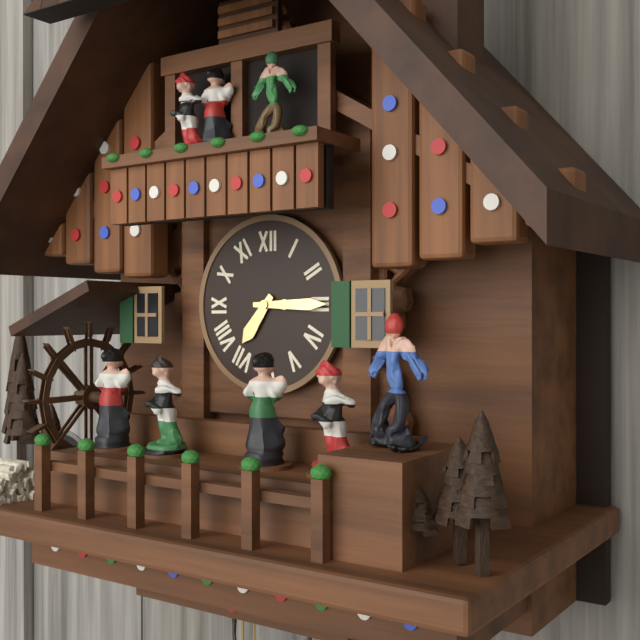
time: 7:15
